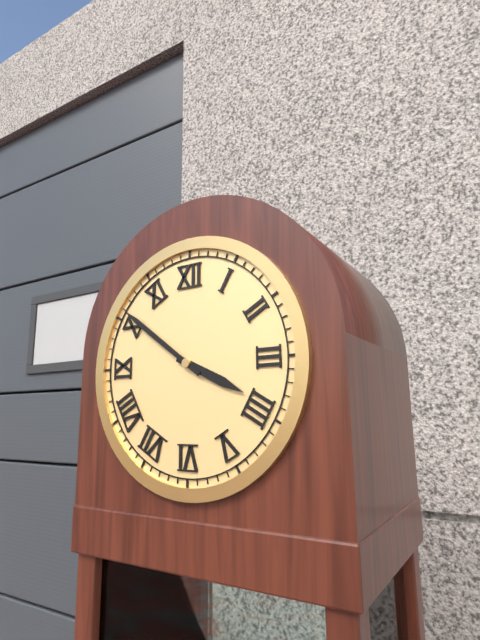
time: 3:51
